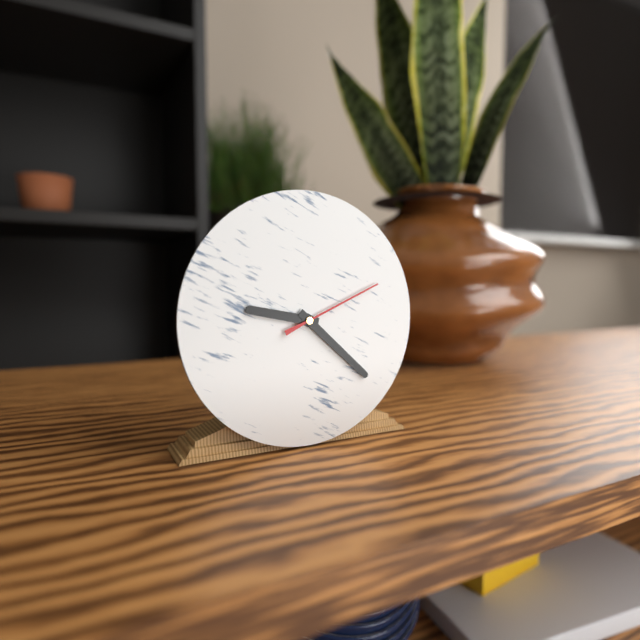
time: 9:22:11
